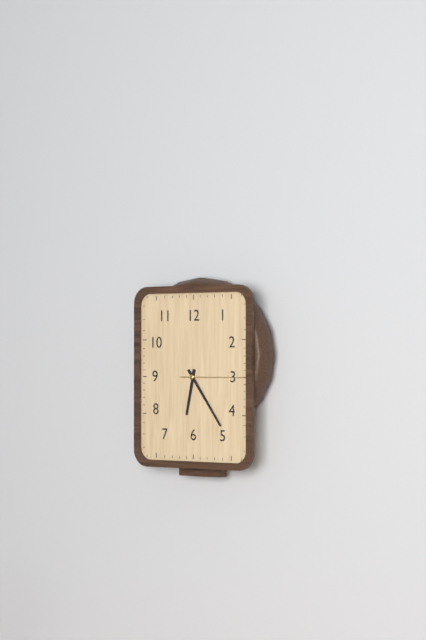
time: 6:24:15
